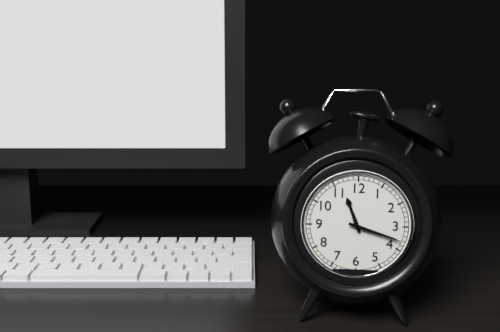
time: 11:18
